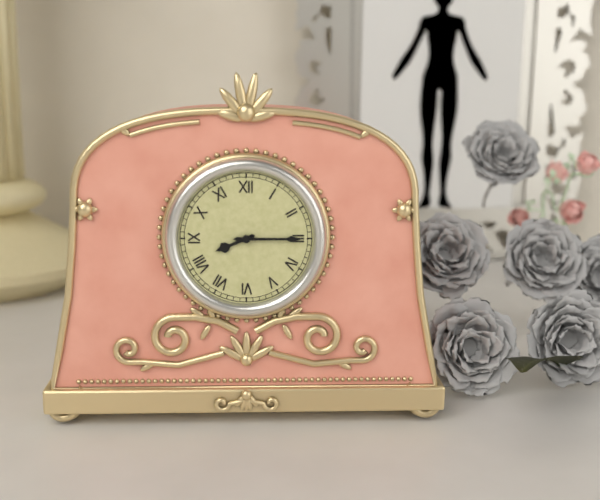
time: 8:15
